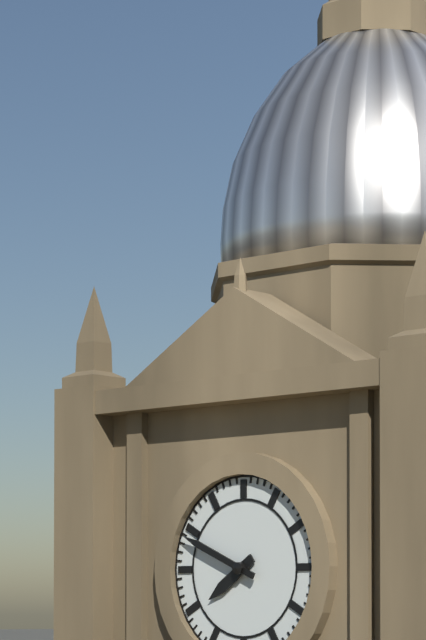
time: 7:49
